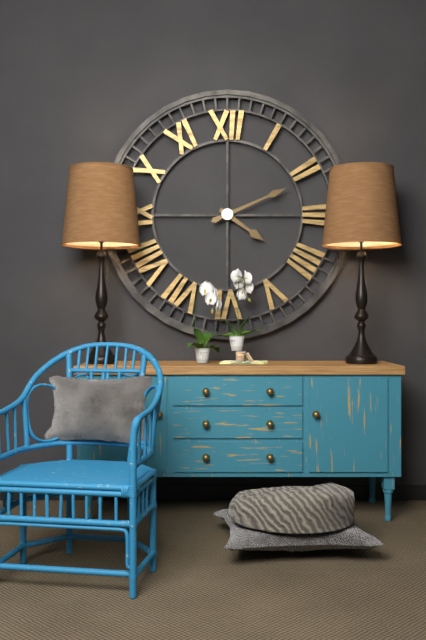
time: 4:11
